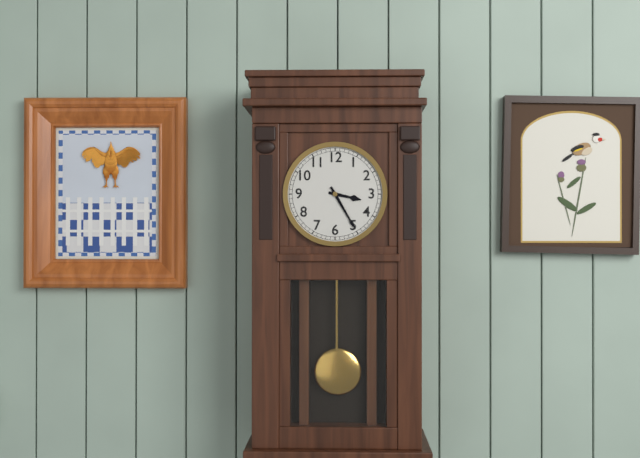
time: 3:25
